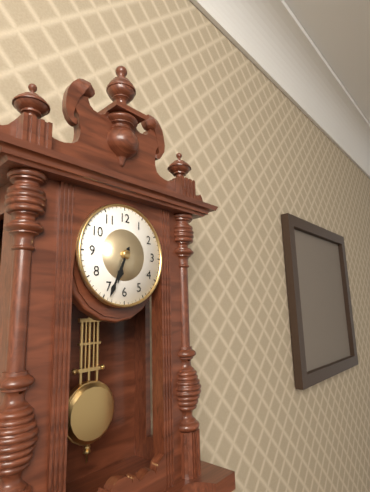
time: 6:34
